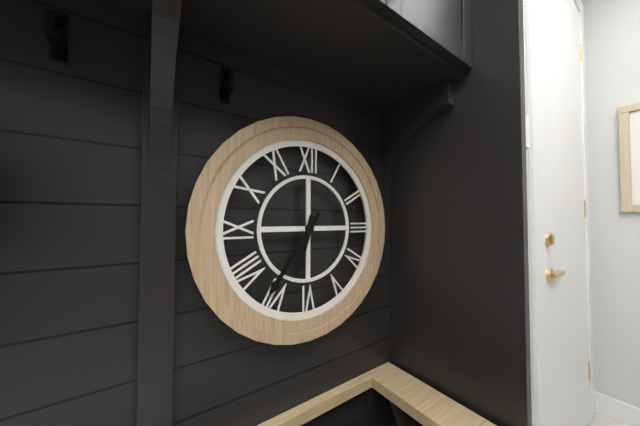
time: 6:36
